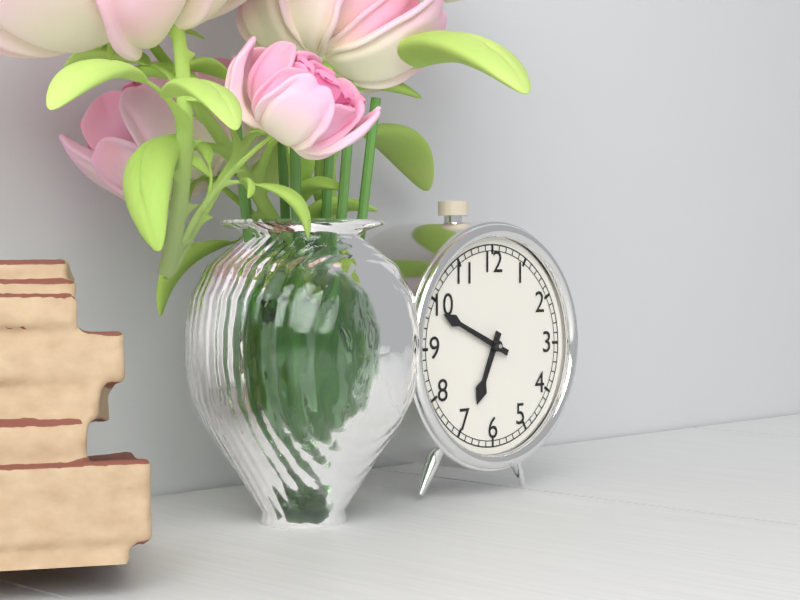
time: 6:49
